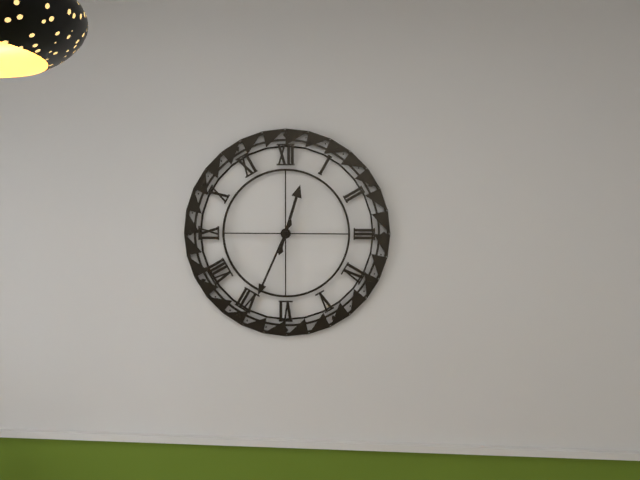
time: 12:34
